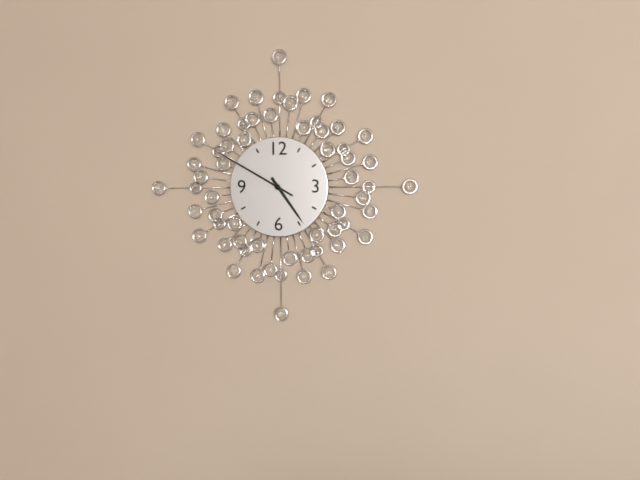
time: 4:50
